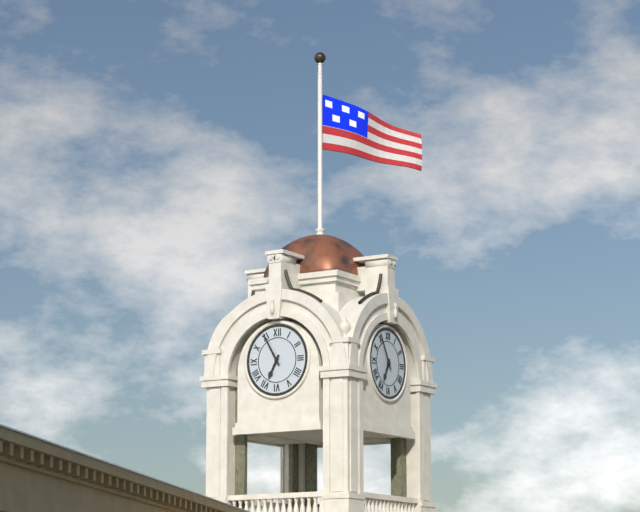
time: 6:55
